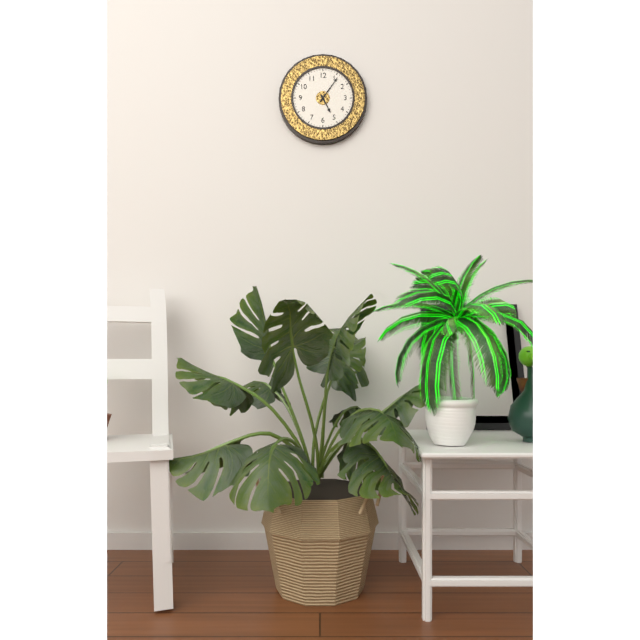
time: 5:06
